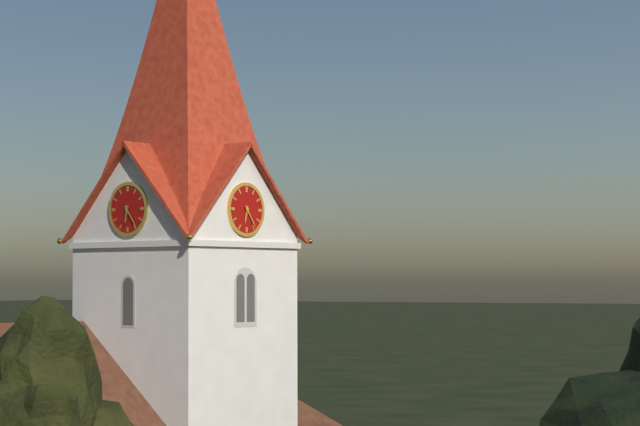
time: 6:24
